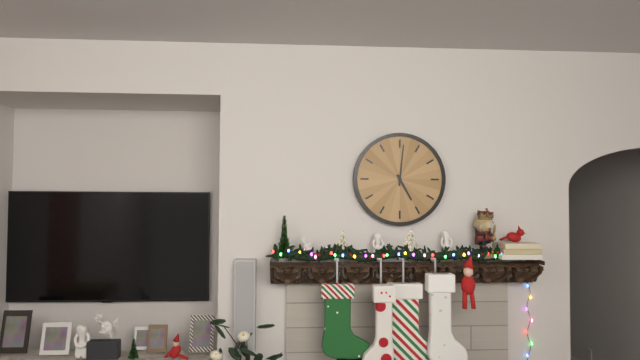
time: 5:01
